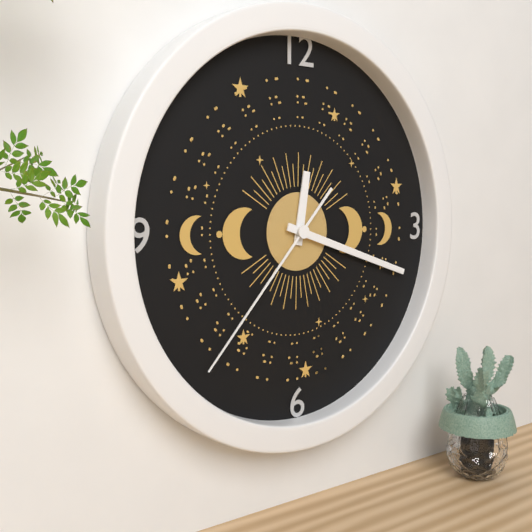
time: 12:18:37
